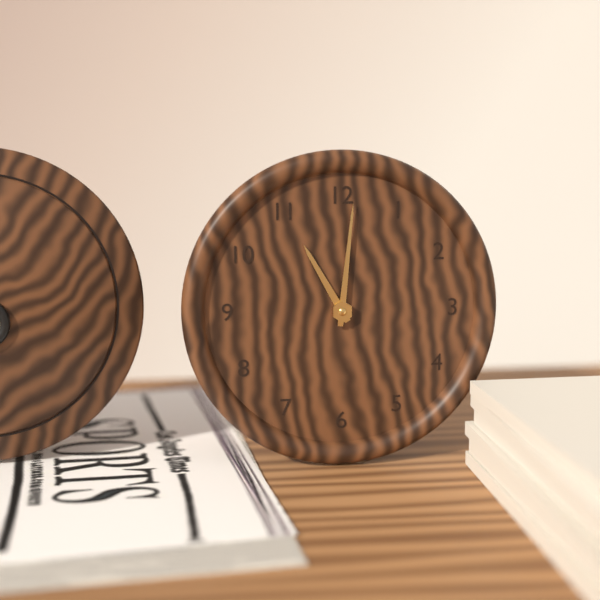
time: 11:01
